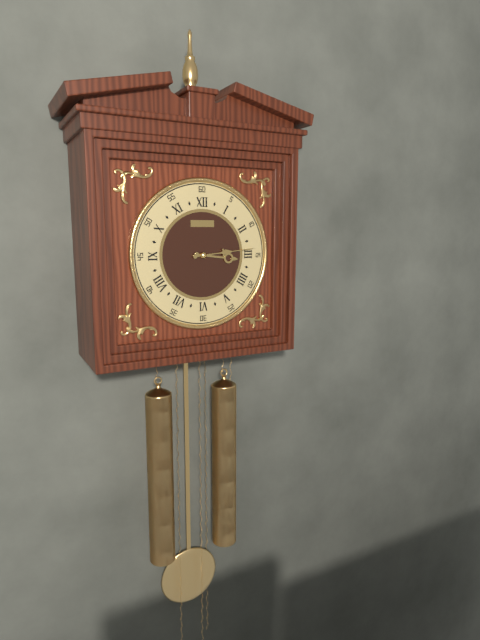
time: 3:14
